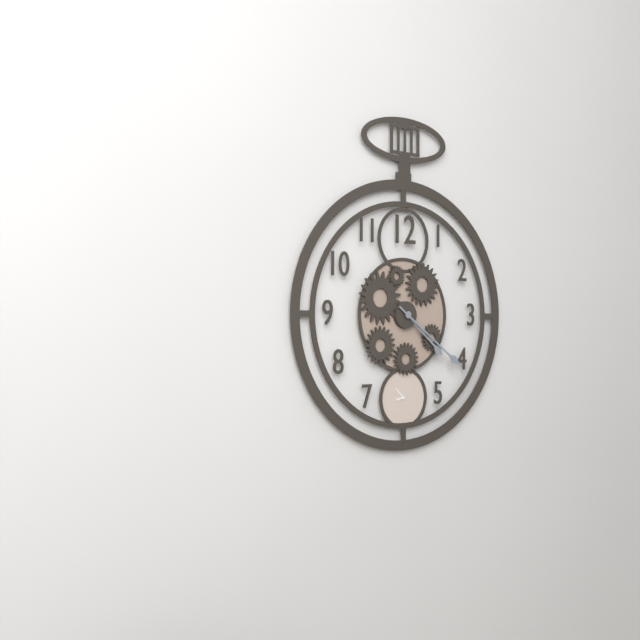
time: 4:21
